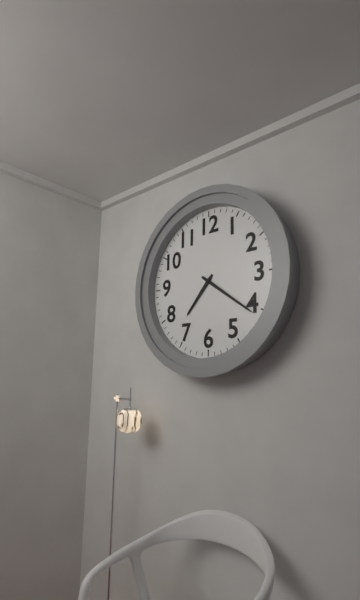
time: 7:21
